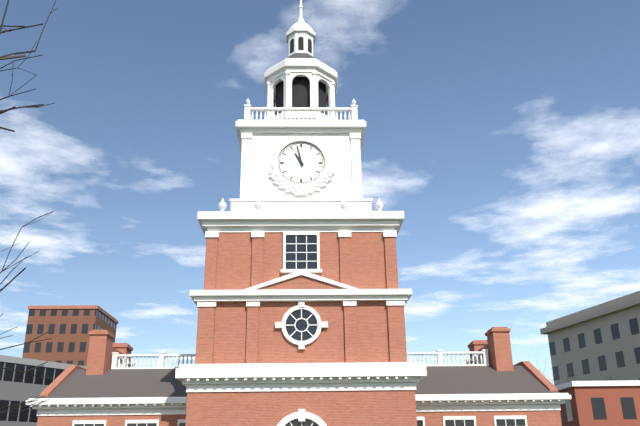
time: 10:58
